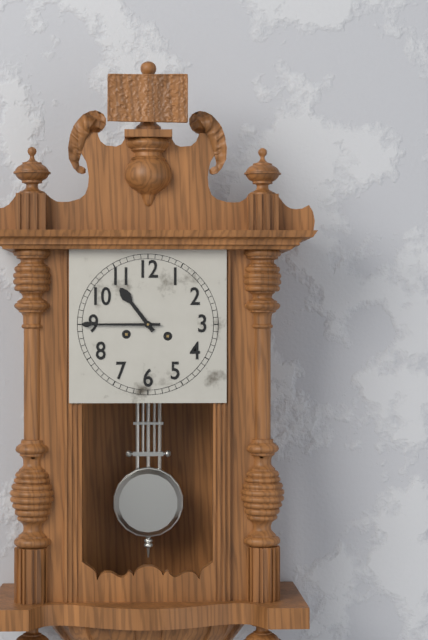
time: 10:45
